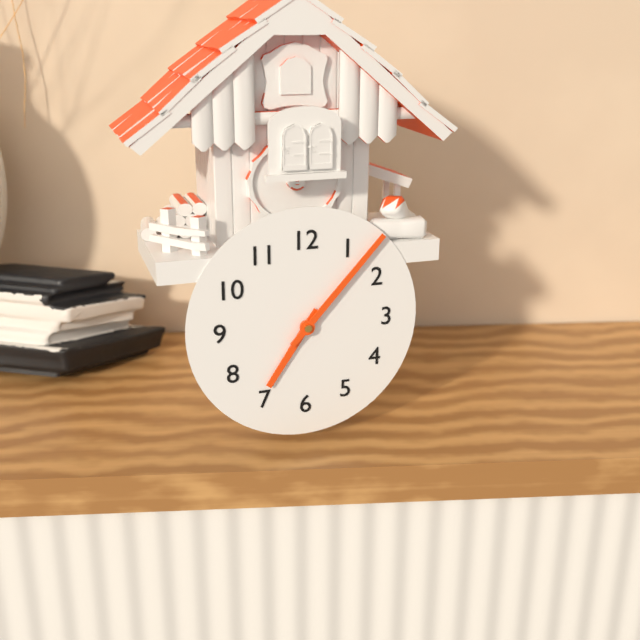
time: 7:07
